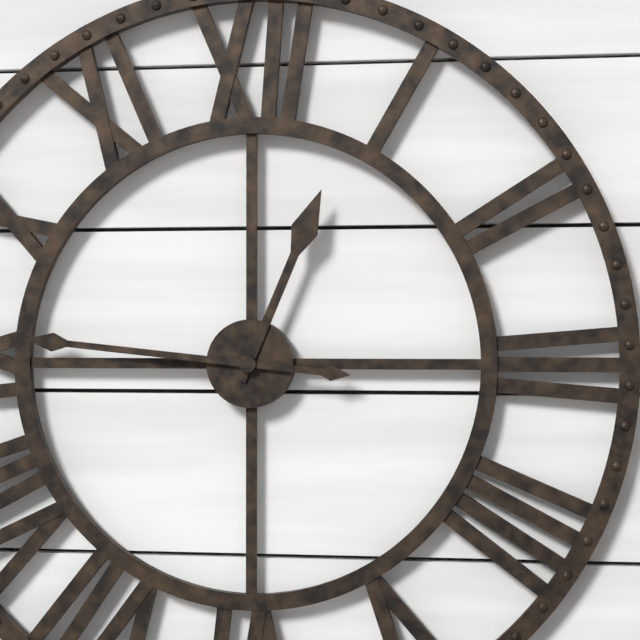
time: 12:46
